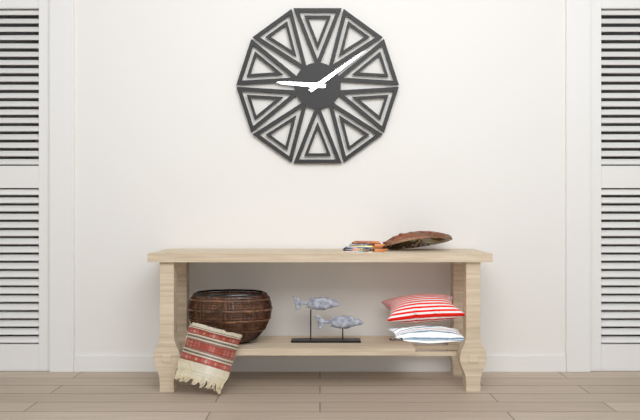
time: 9:09
